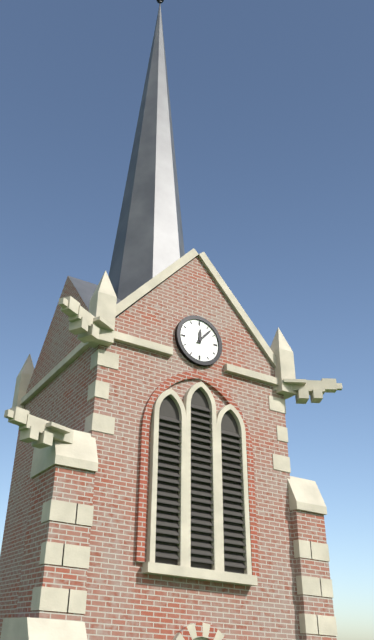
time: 12:07
